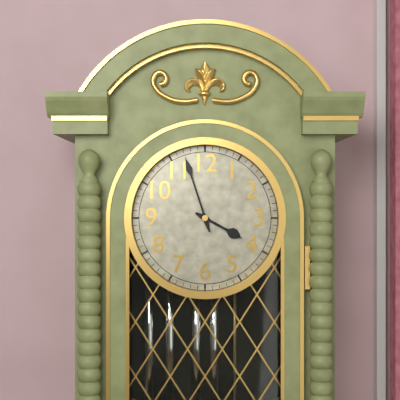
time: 3:57
